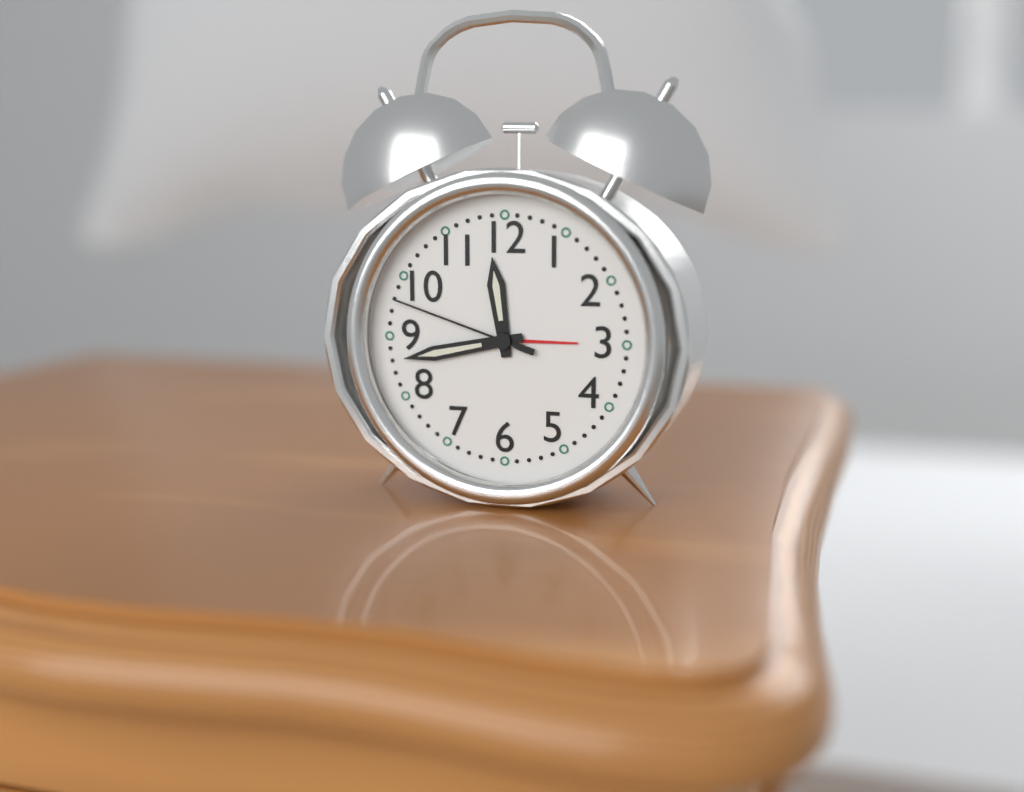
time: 11:43:48
